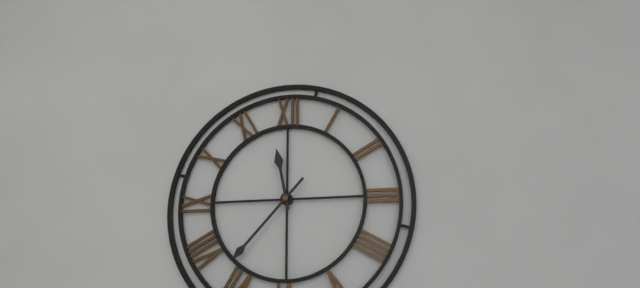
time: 11:37
